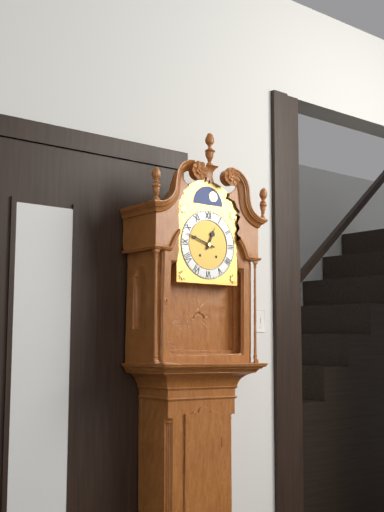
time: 12:48
